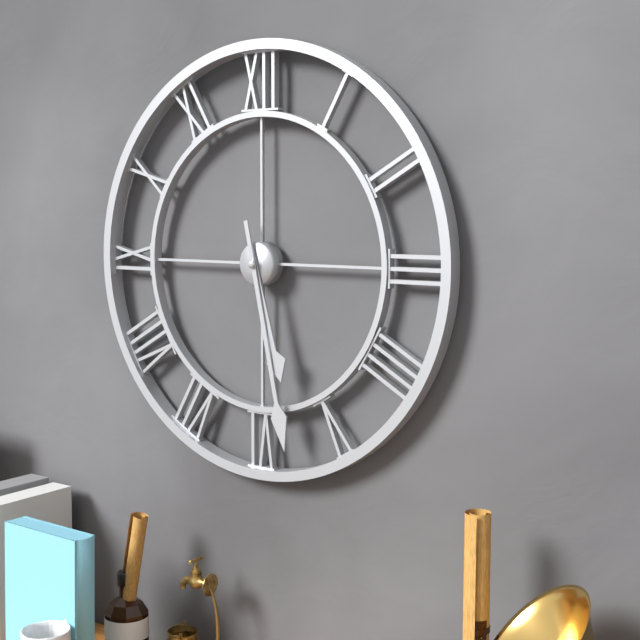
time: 5:28
